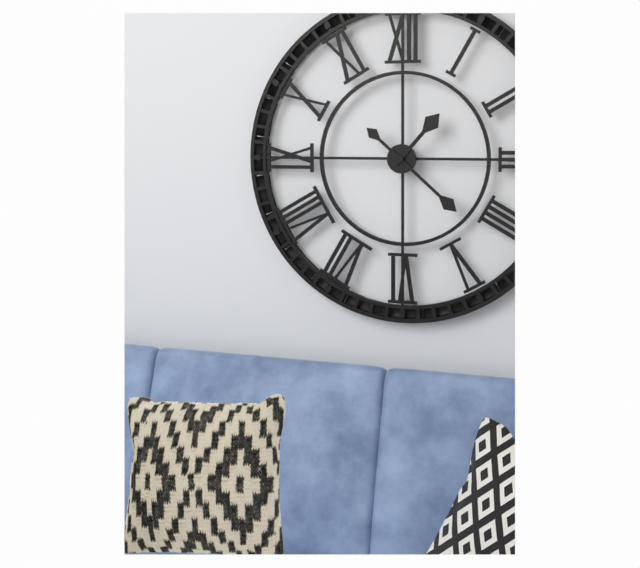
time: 1:22
